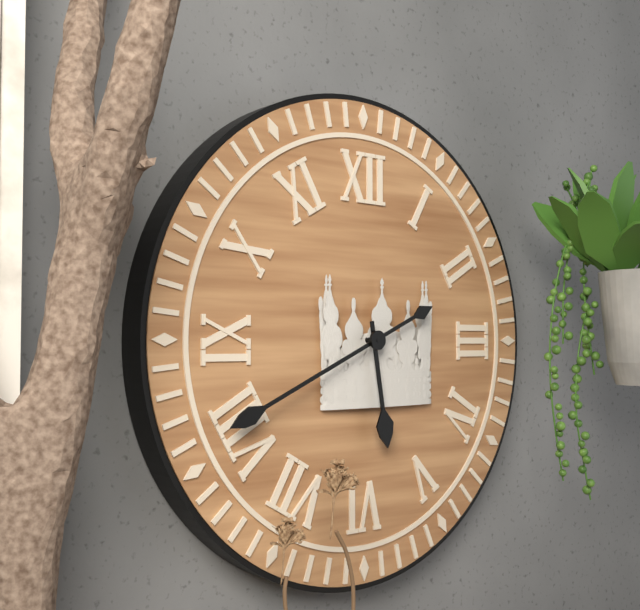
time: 5:41
